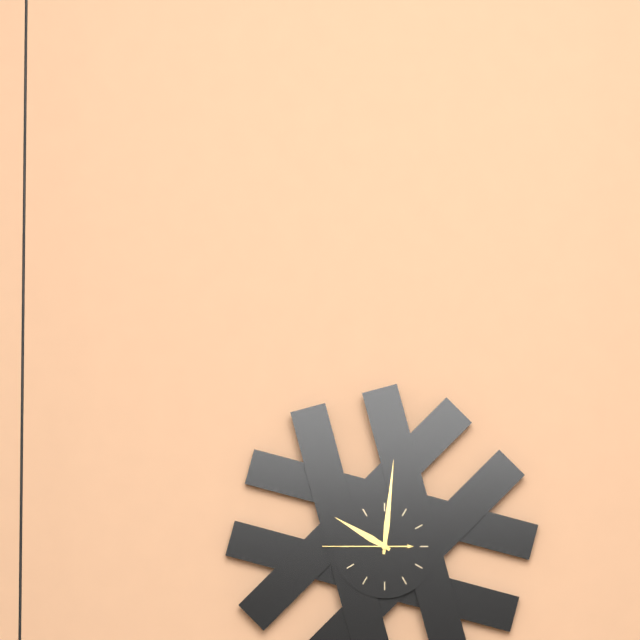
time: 10:01:45
